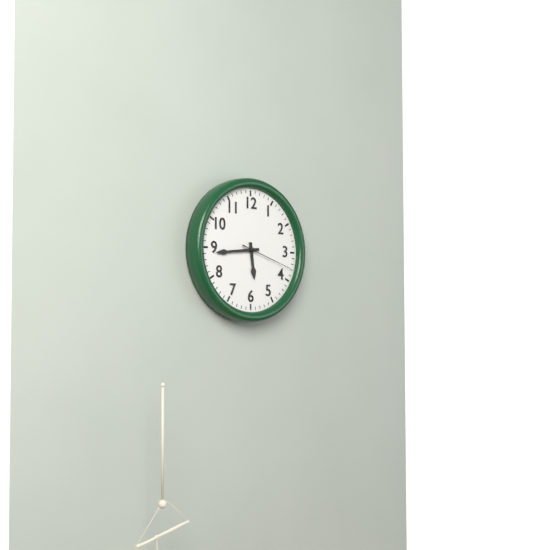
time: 5:44:18
